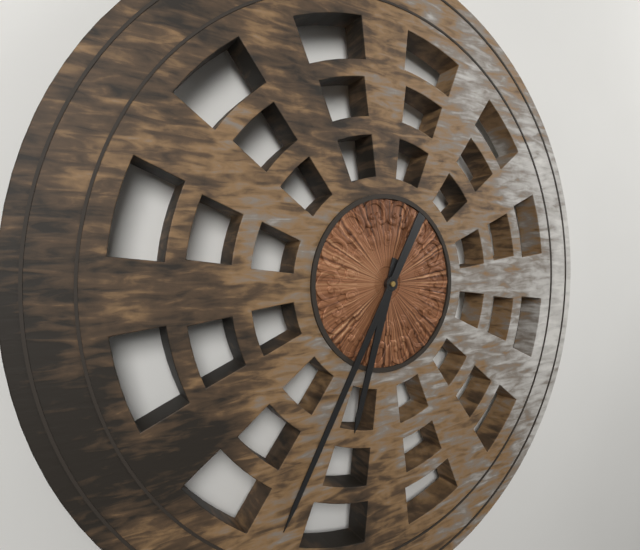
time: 6:35
